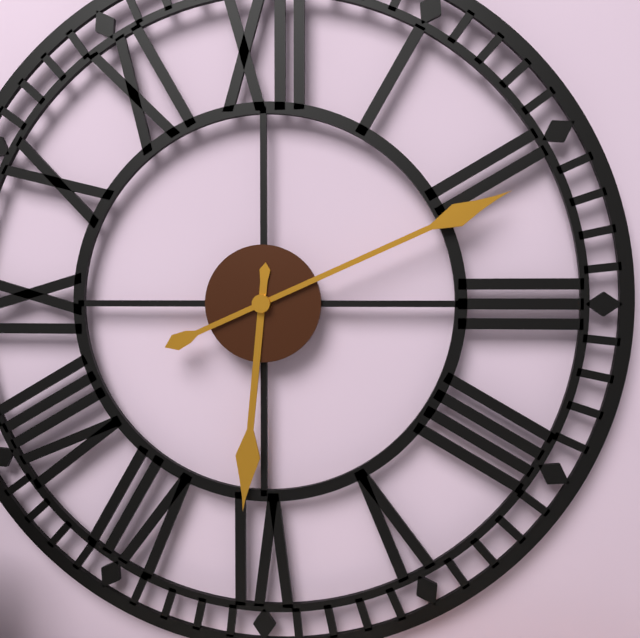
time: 6:11
